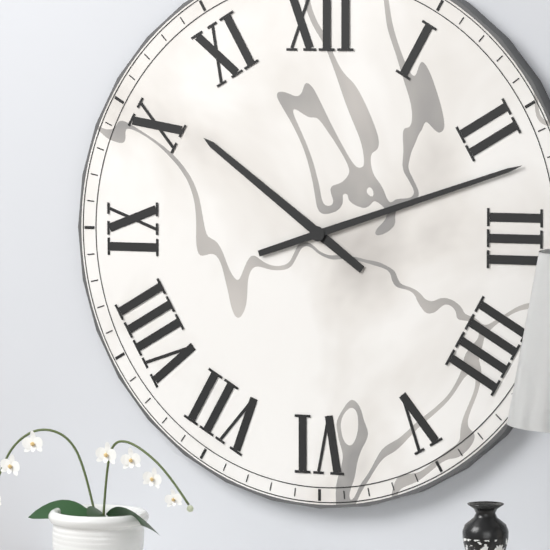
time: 10:12
